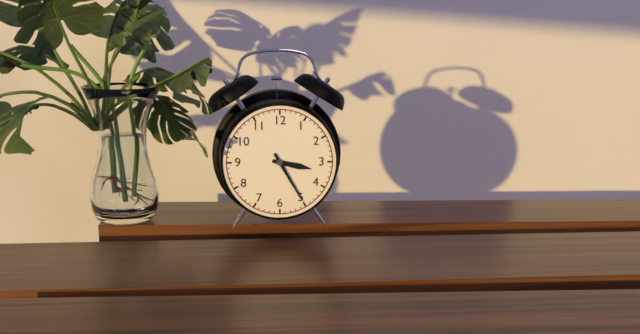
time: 3:25
